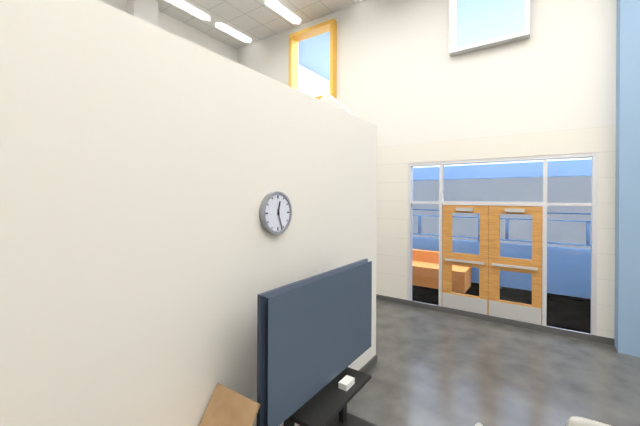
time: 12:27
